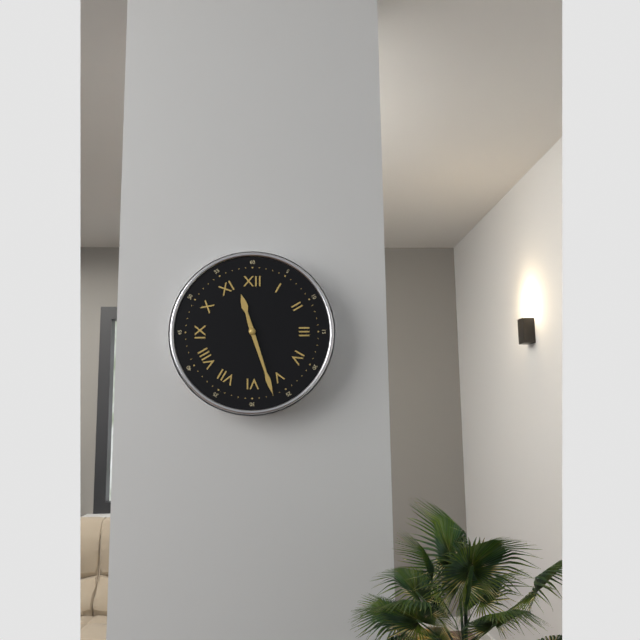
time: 11:27
